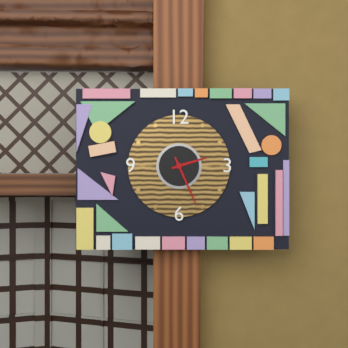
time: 2:26
